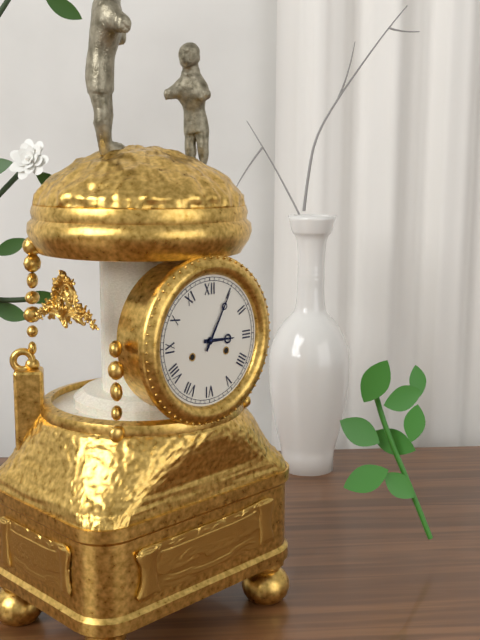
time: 3:05
